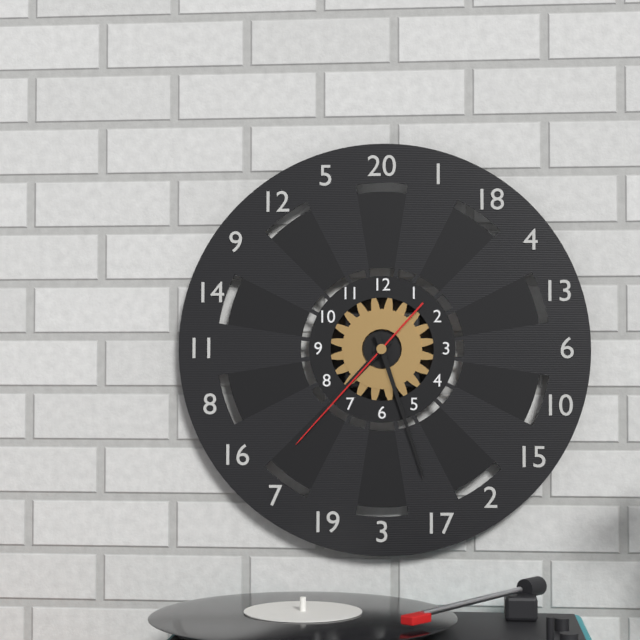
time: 7:27:37
